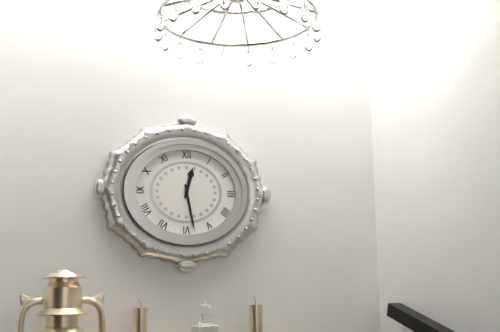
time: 12:28
